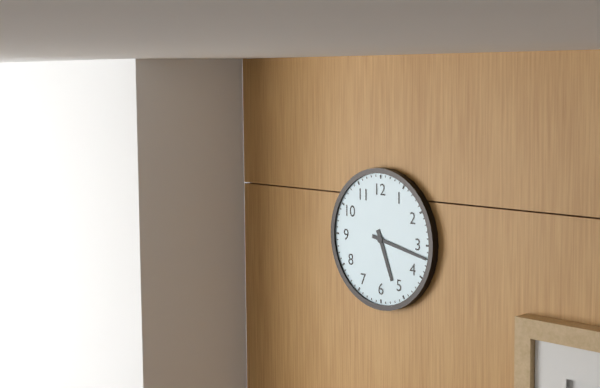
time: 5:17
